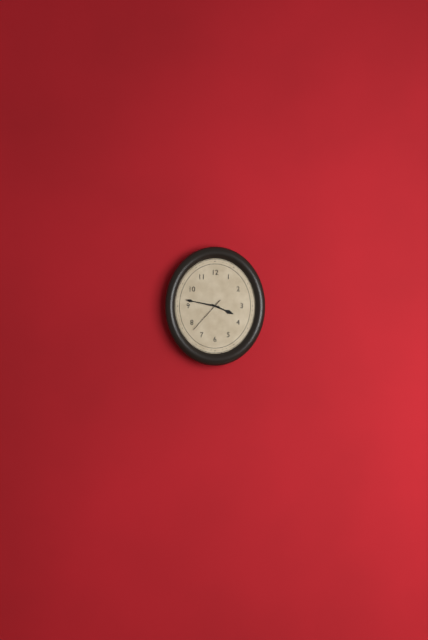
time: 3:47
